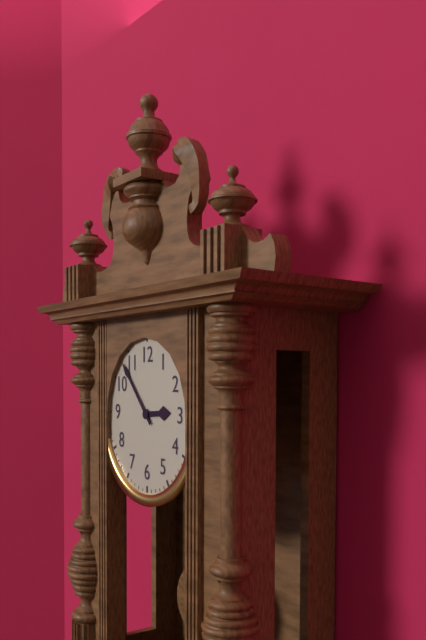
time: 2:53
